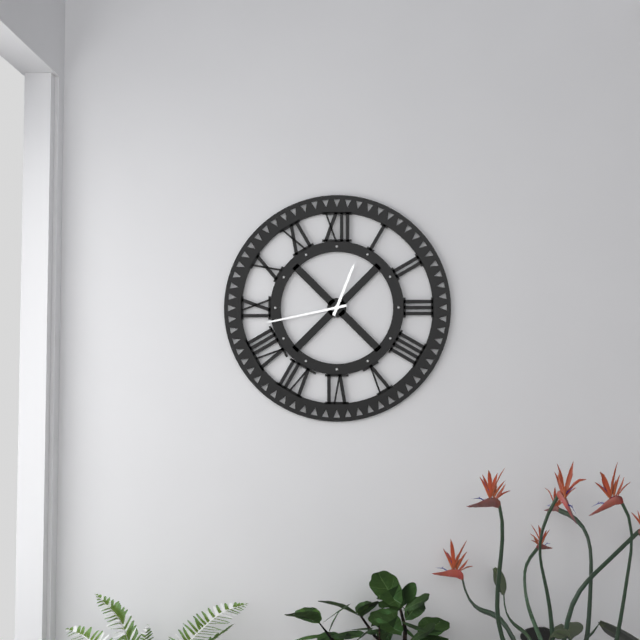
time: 12:43
